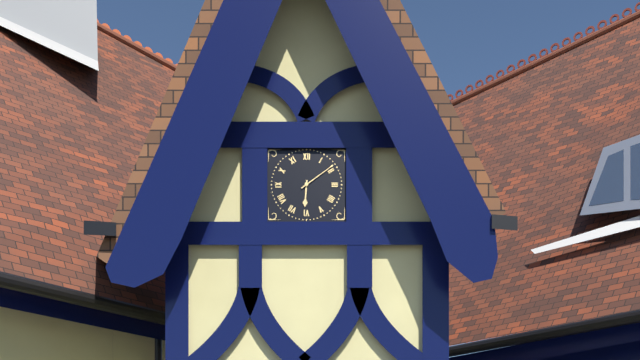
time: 6:09
